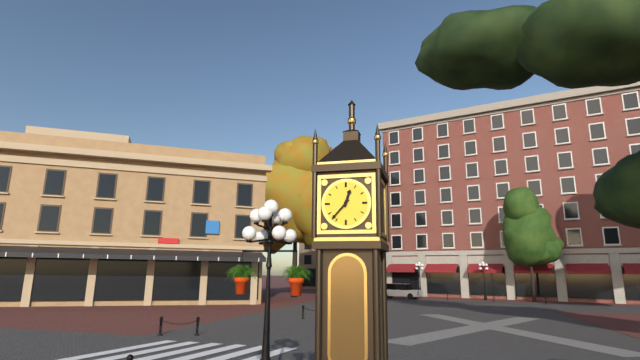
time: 12:37
